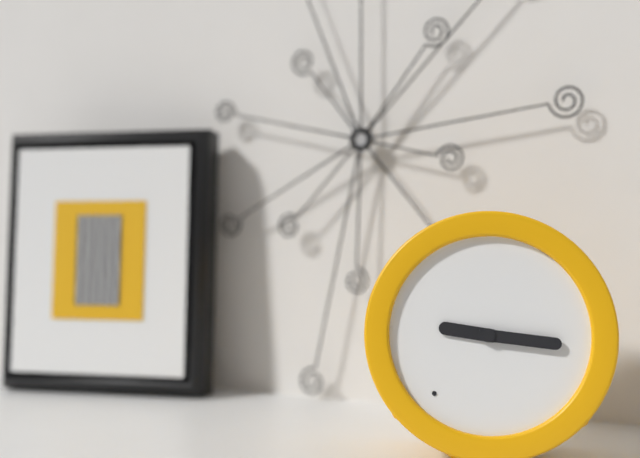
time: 9:16
